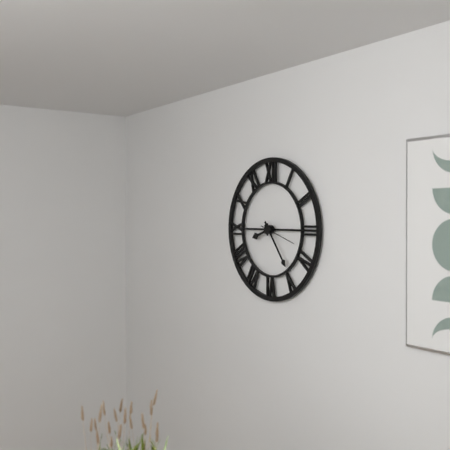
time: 8:24
